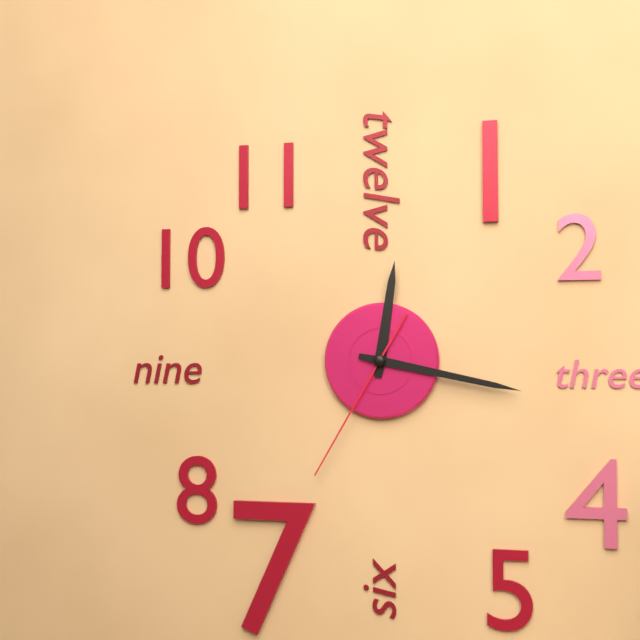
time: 12:17:35
